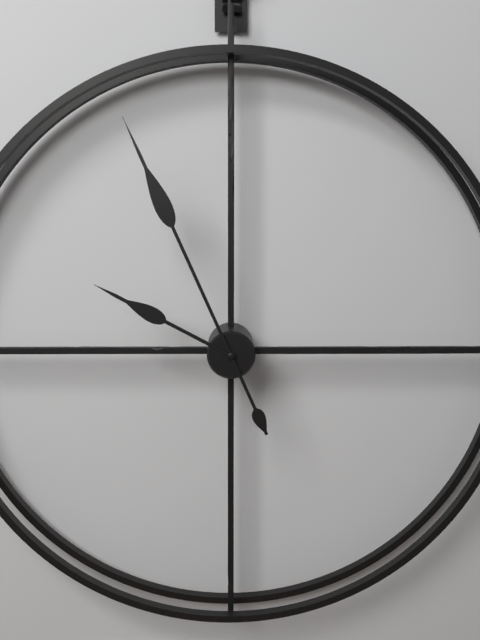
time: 9:56
